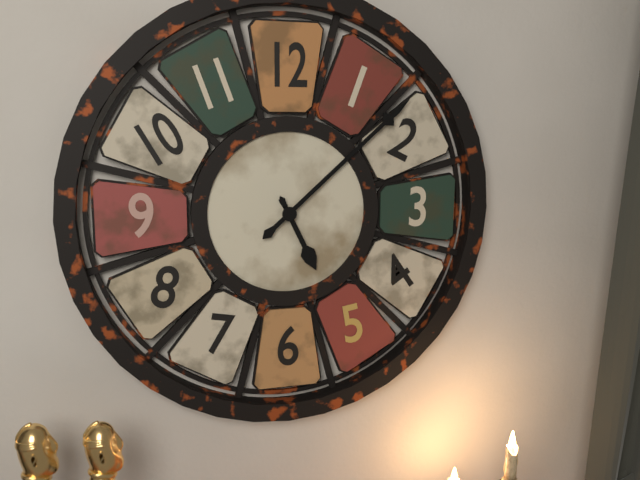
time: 5:08
